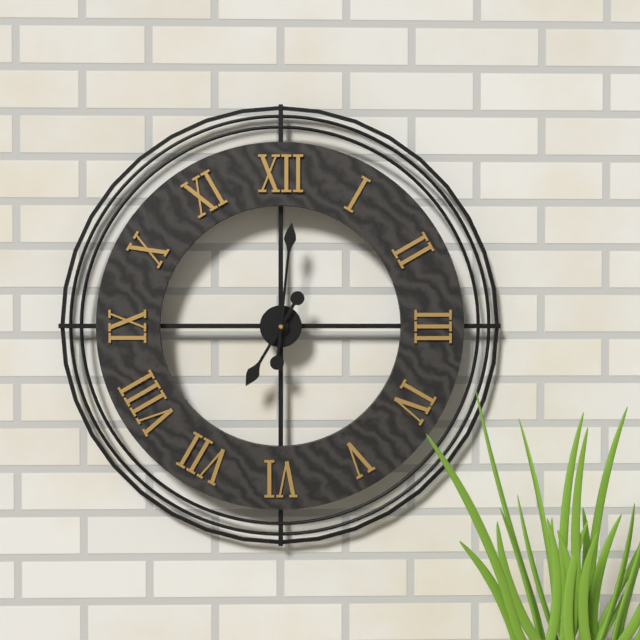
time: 7:01
